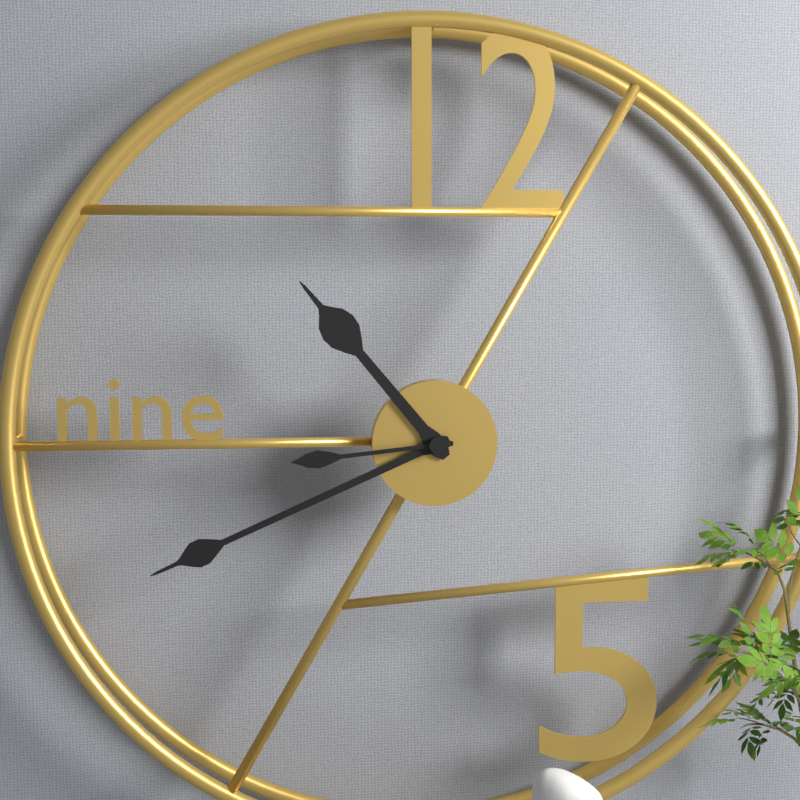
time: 10:41:44
